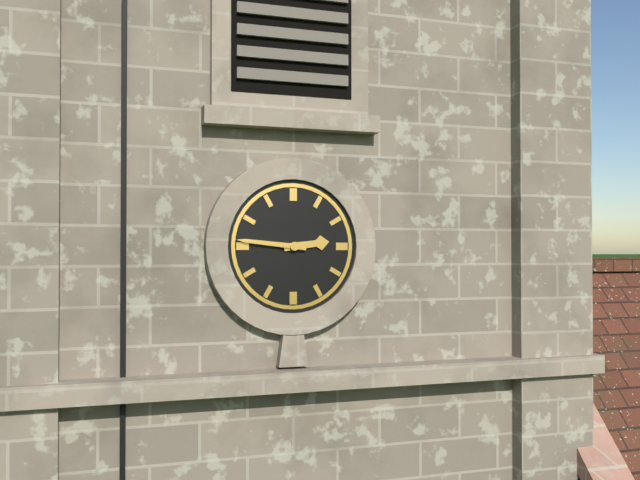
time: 2:46
